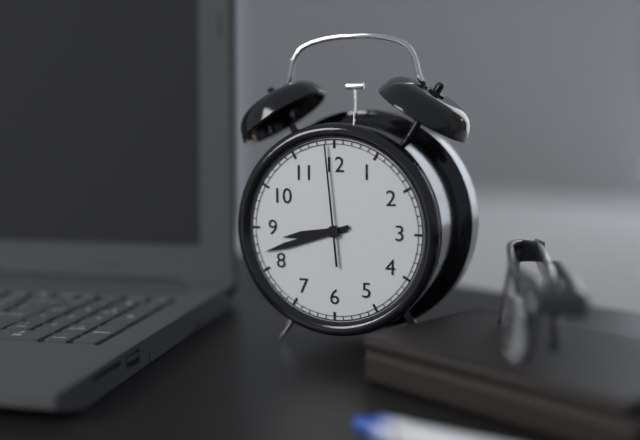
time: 8:42:59
